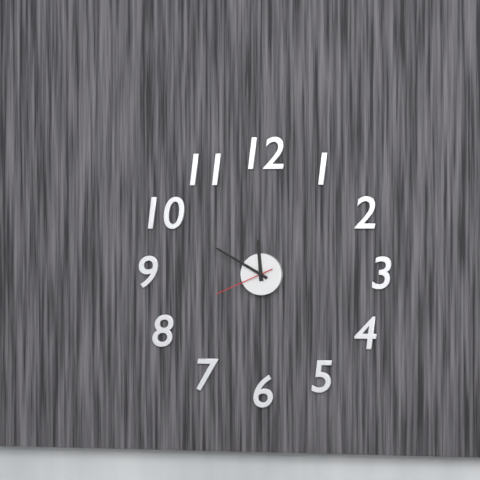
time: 11:50:41
